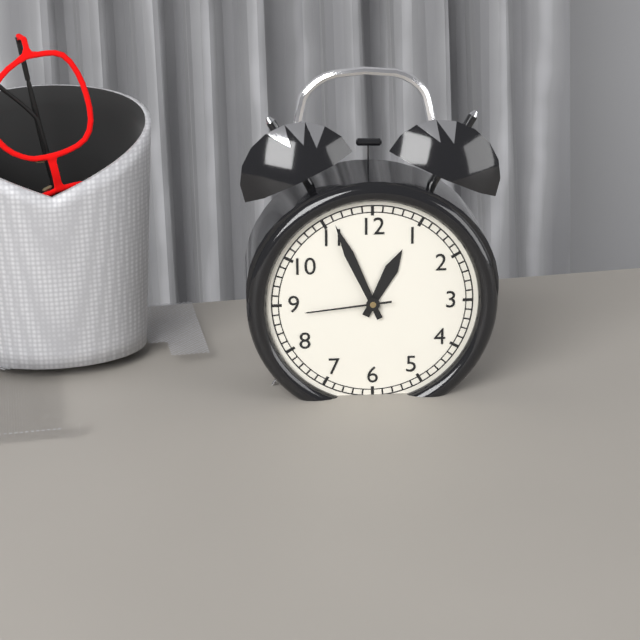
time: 12:56:44
